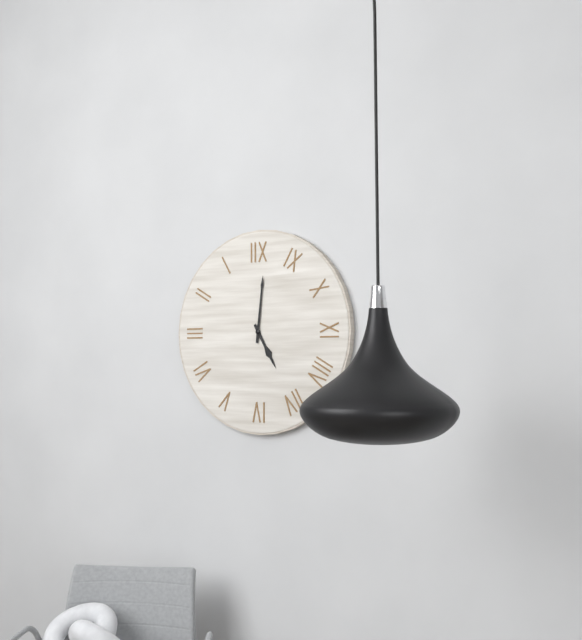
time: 5:01
